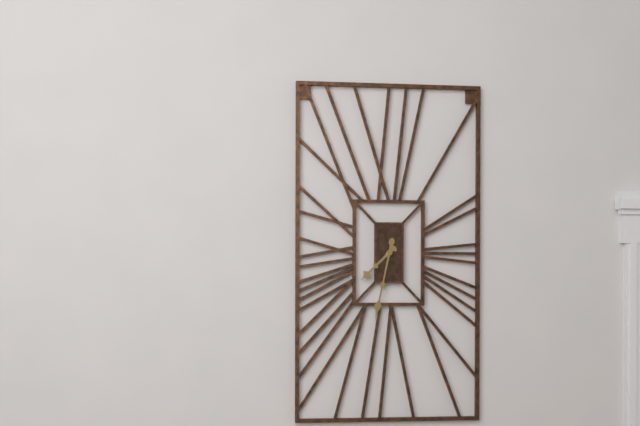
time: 7:32
